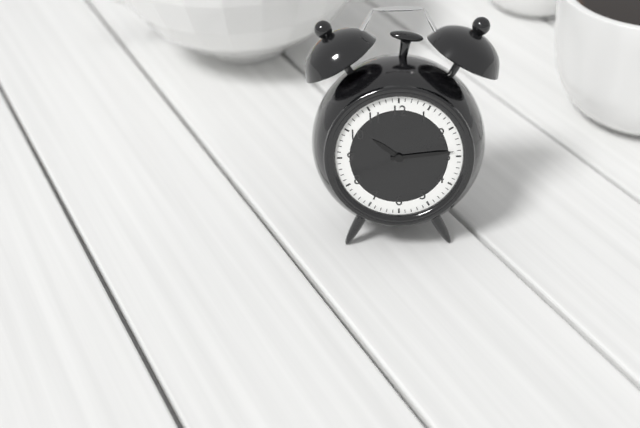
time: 10:14
